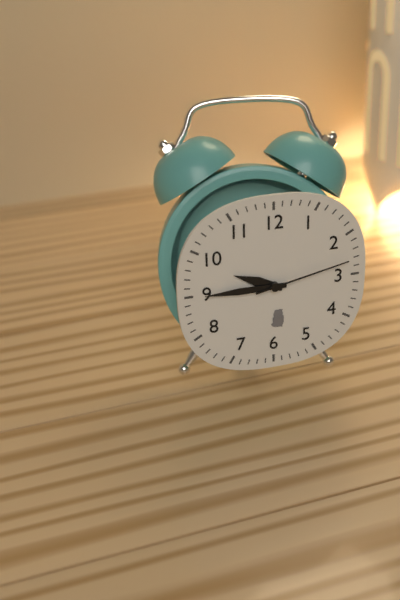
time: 9:45:13
